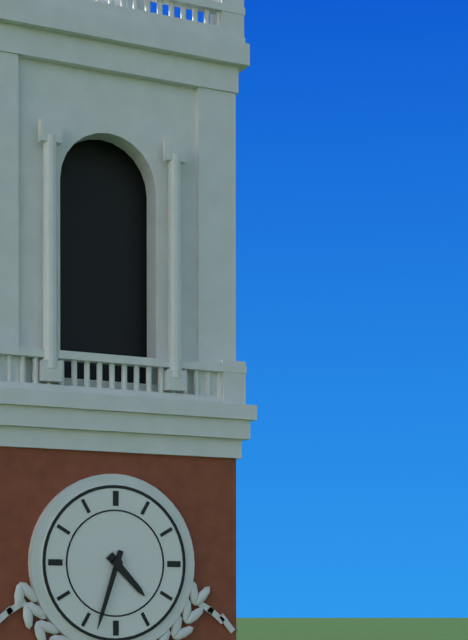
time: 4:33
